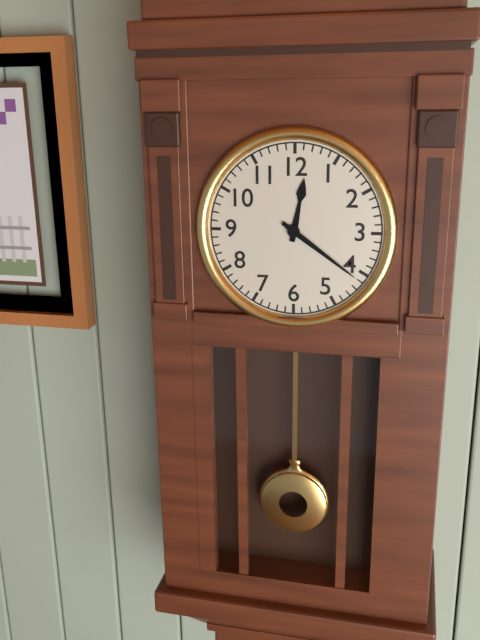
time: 12:21
